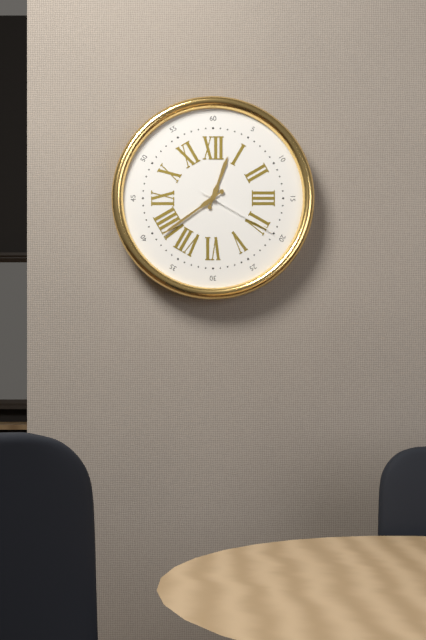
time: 12:39:20
